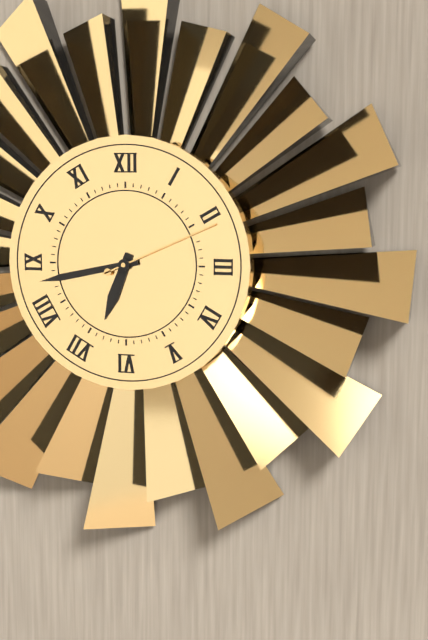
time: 6:43:11
